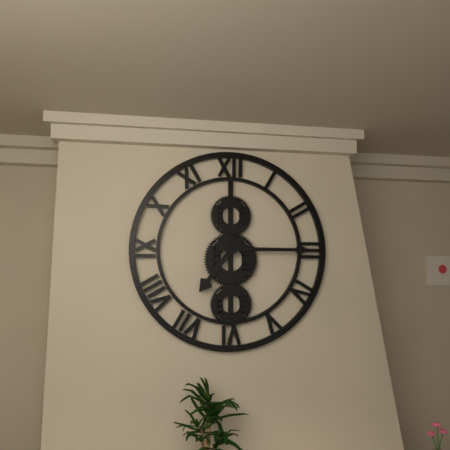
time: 7:15
